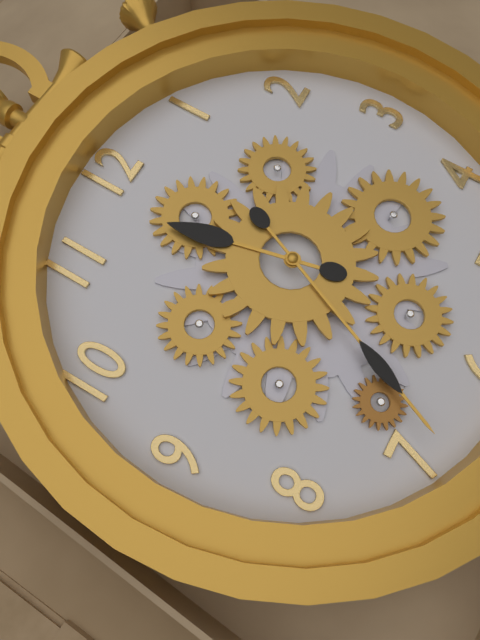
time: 11:34
